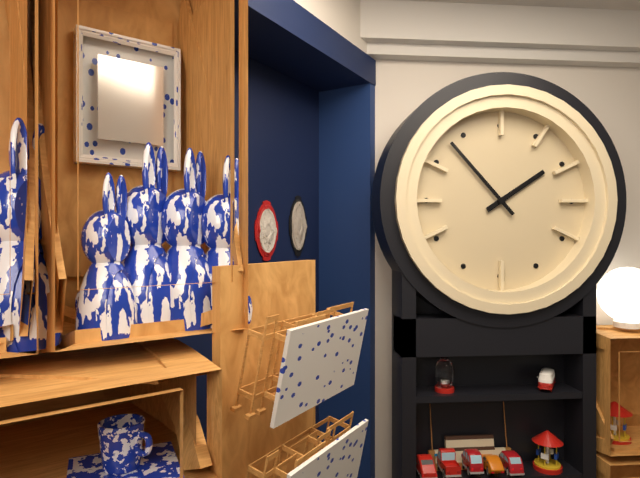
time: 1:53
